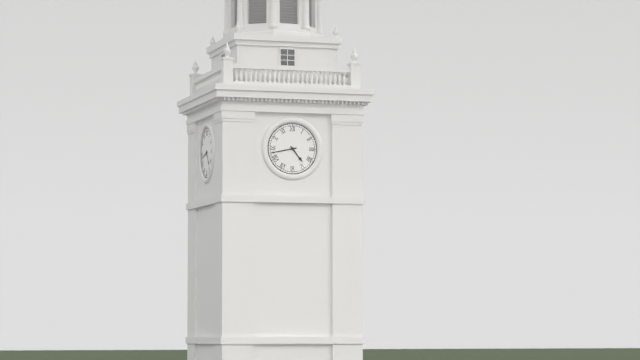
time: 4:43
